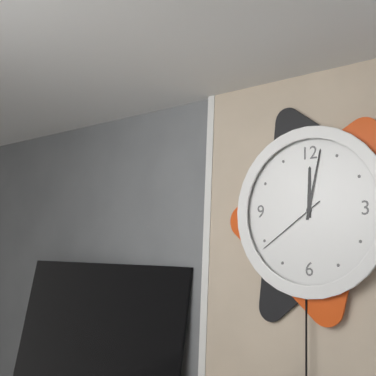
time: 12:02:39
